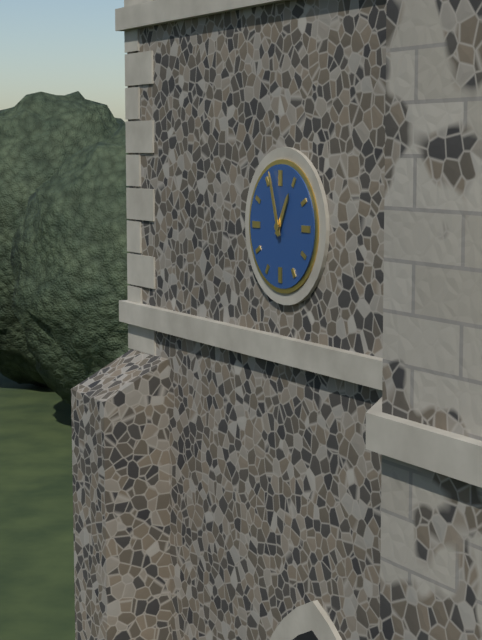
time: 12:57
